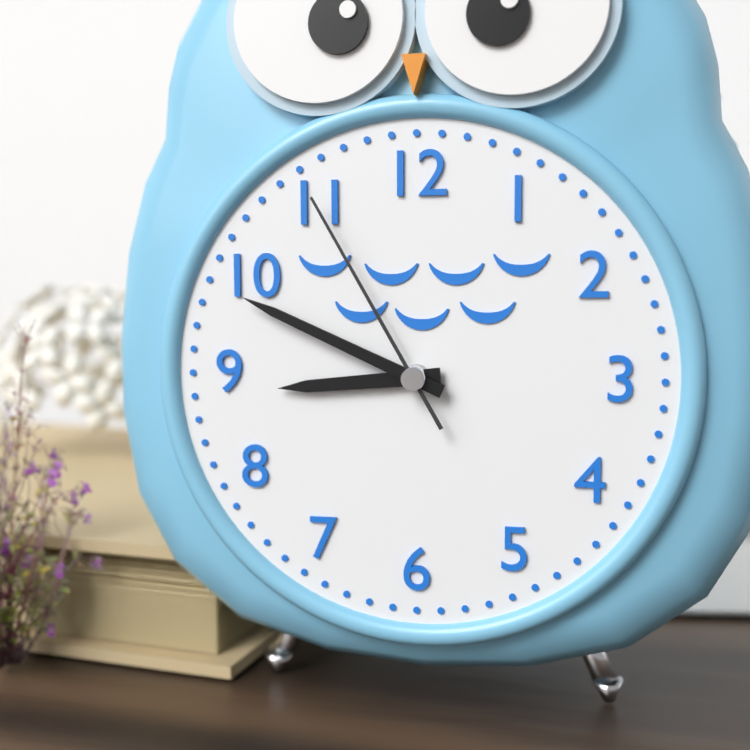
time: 8:49:55
